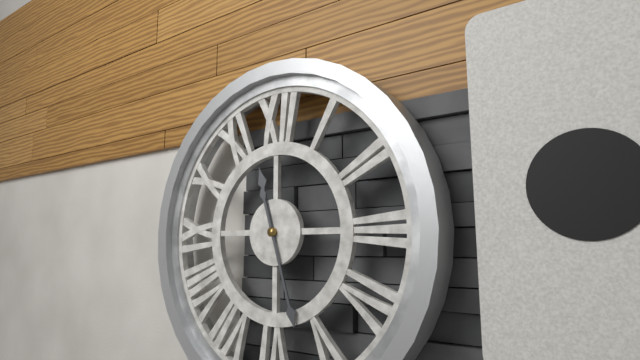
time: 11:27
